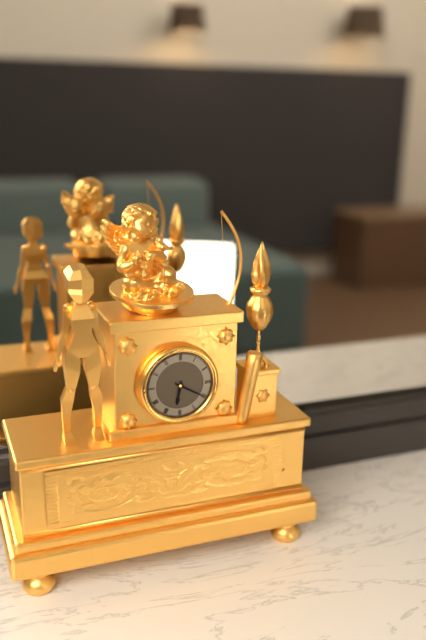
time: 6:20
